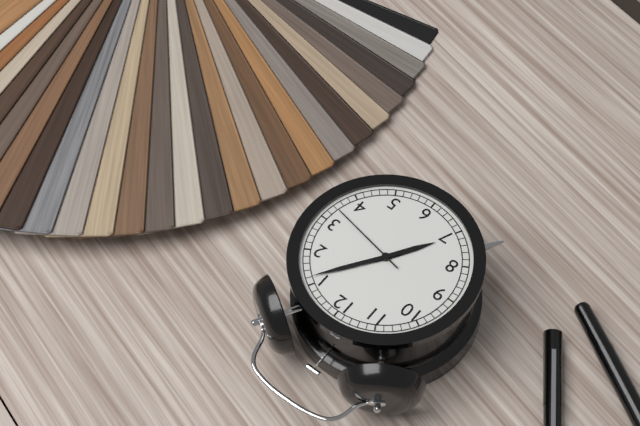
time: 7:06:17
